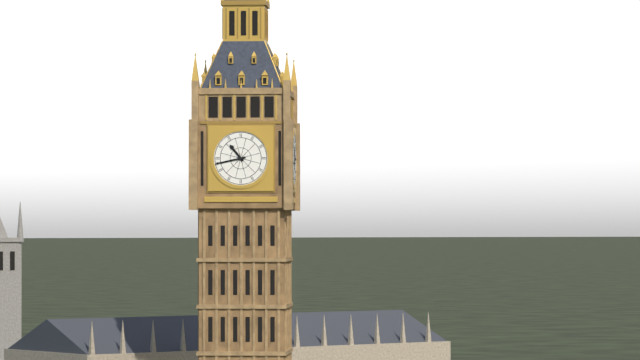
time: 10:43
